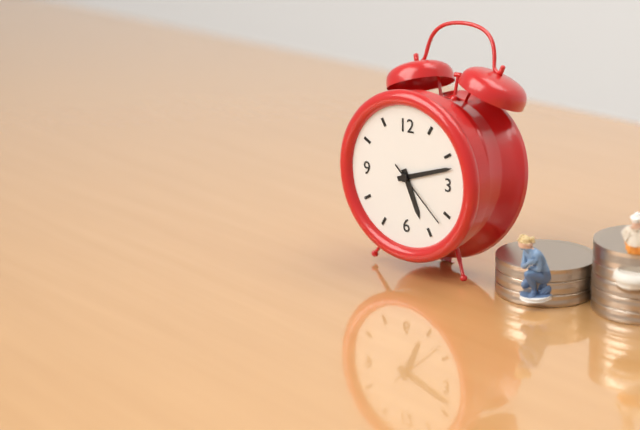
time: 5:12:22
